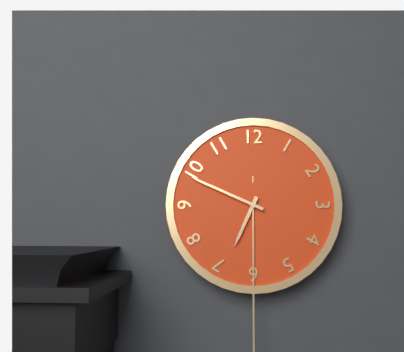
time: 6:49
